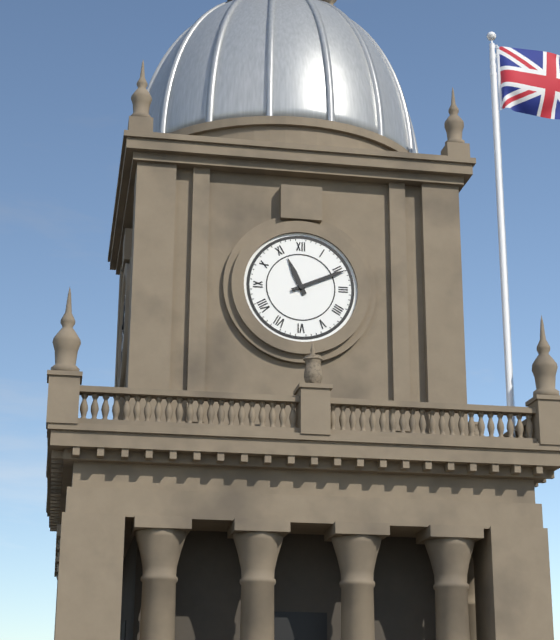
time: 11:11
